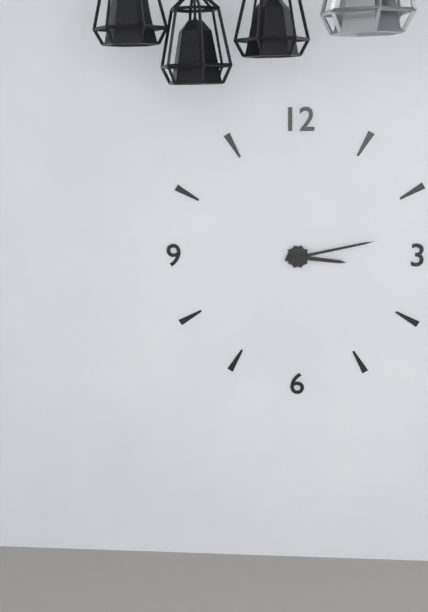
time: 3:13
